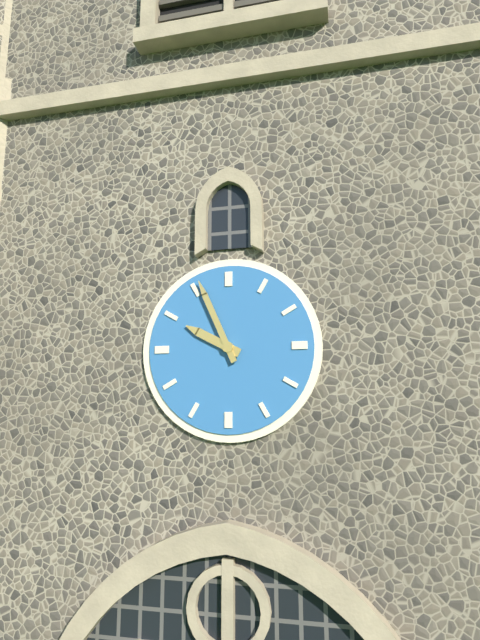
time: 9:56
